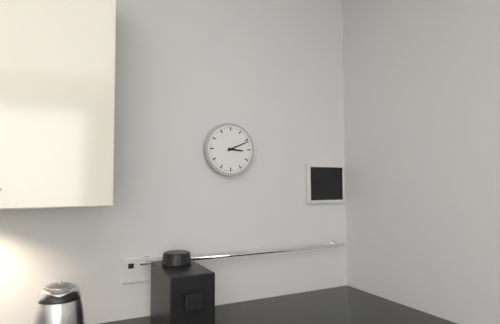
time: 3:11
